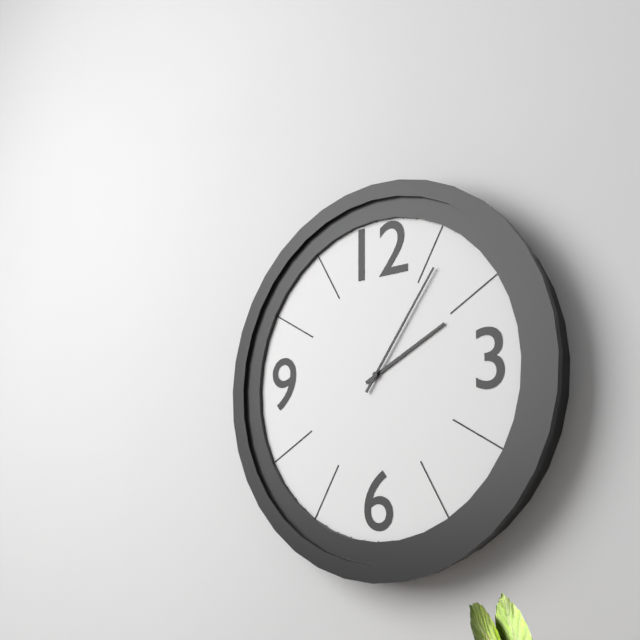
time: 2:06
